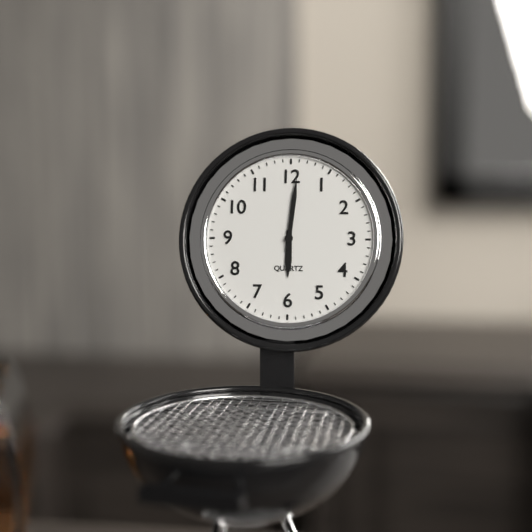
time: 6:01
